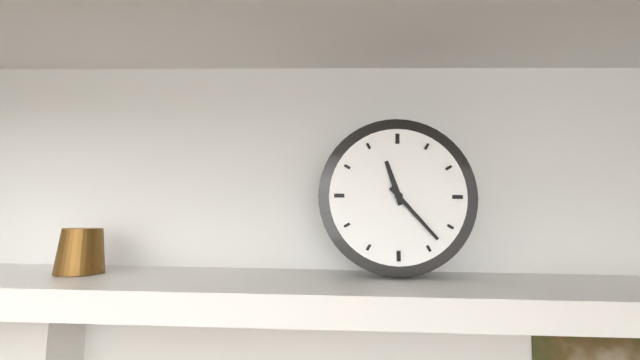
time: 11:23
